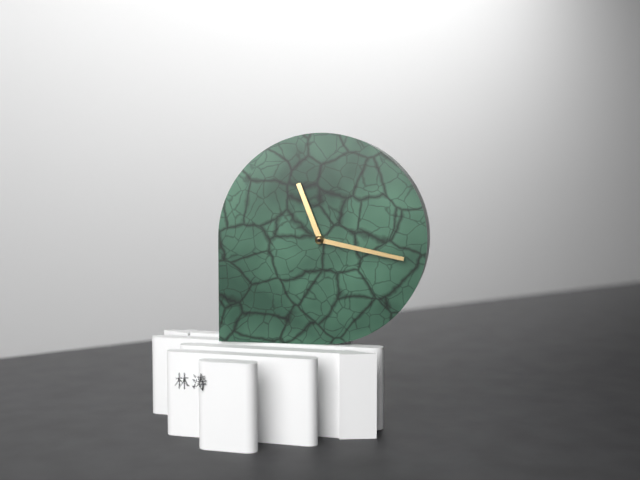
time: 11:17
